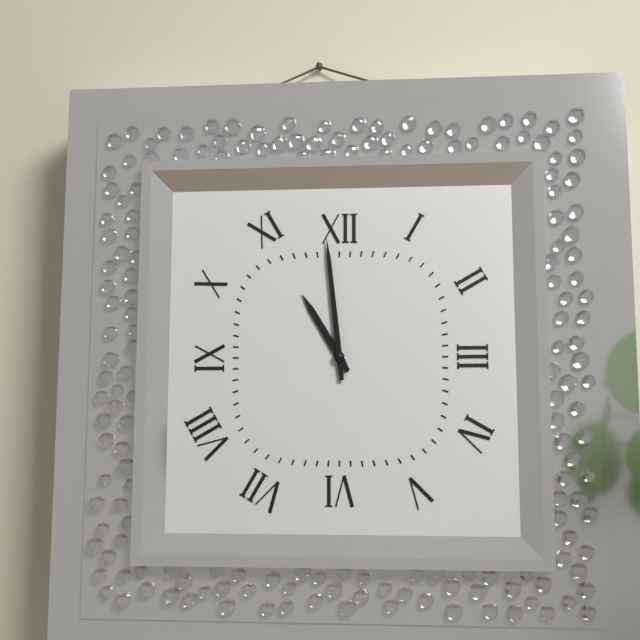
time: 10:59
